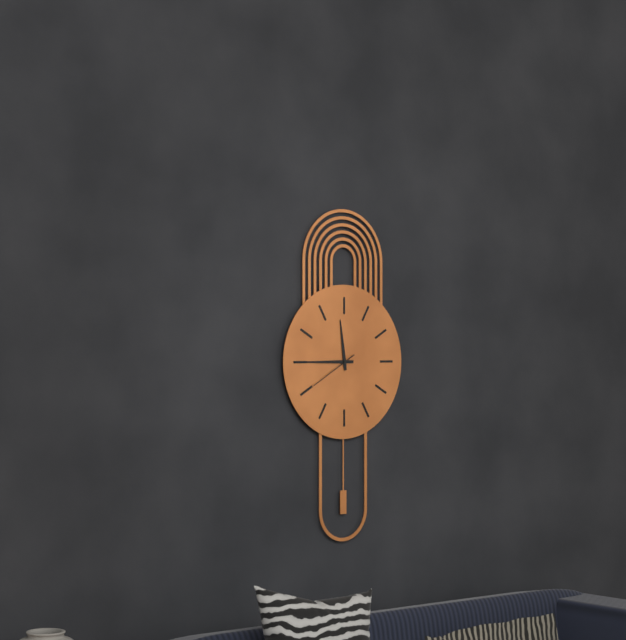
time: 11:45
